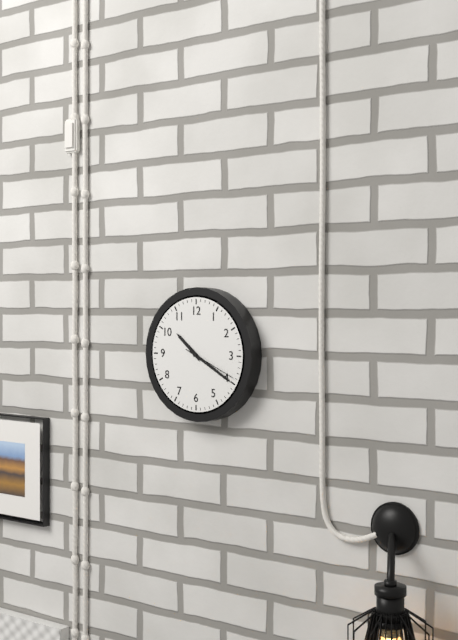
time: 10:20:19
